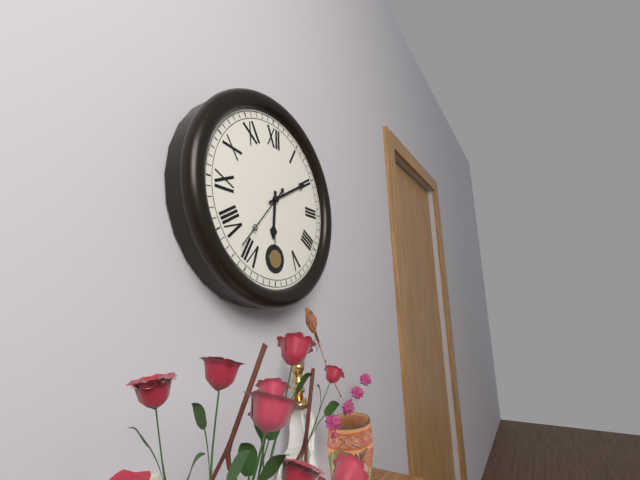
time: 6:10:37
